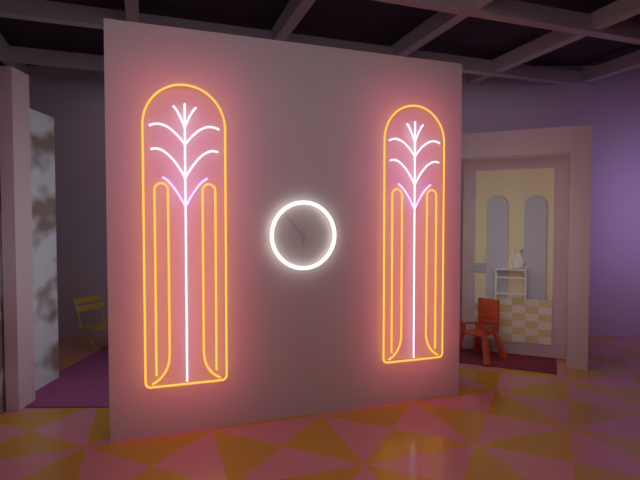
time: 5:53
